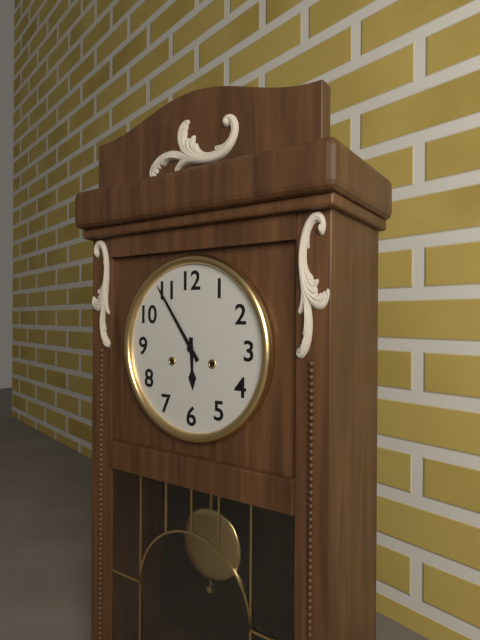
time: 5:54
